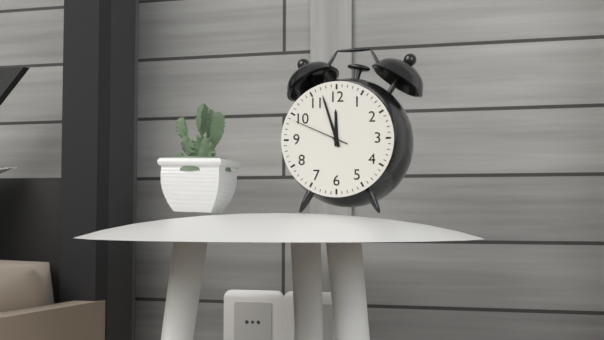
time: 11:57:49
